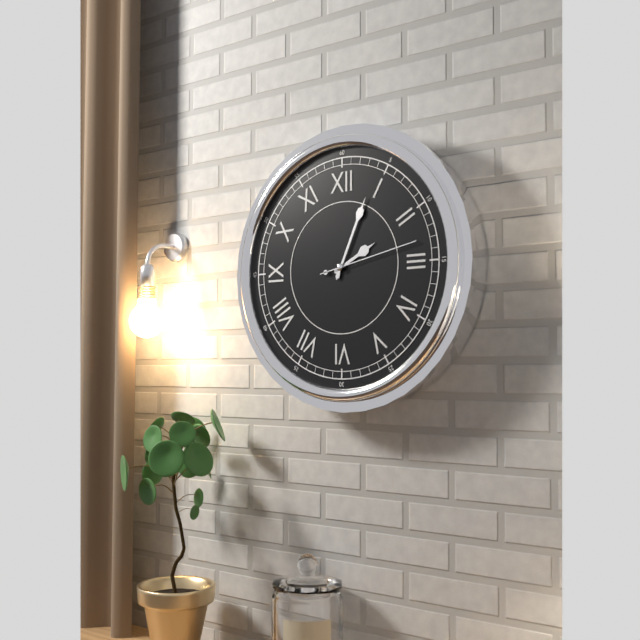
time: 2:04:13
